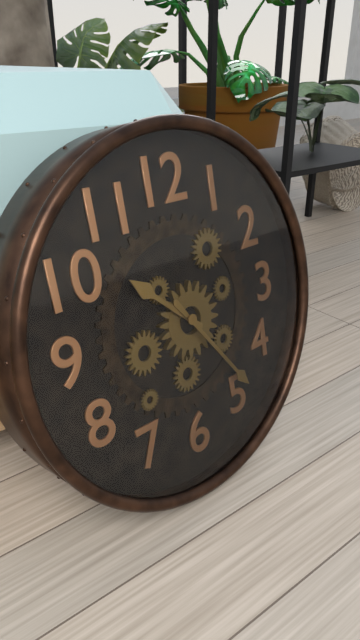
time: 10:24
